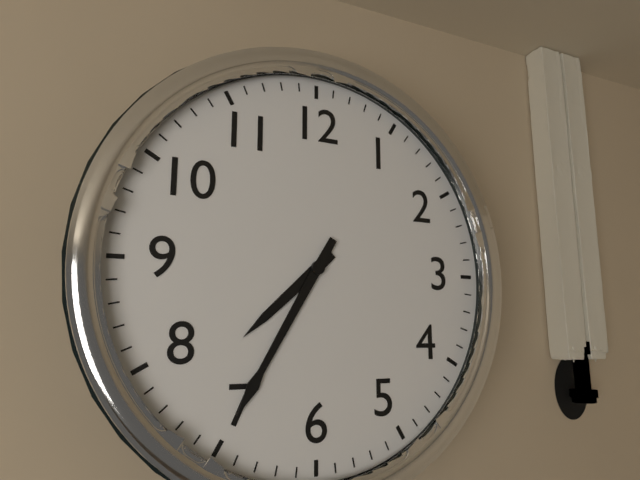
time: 7:35
